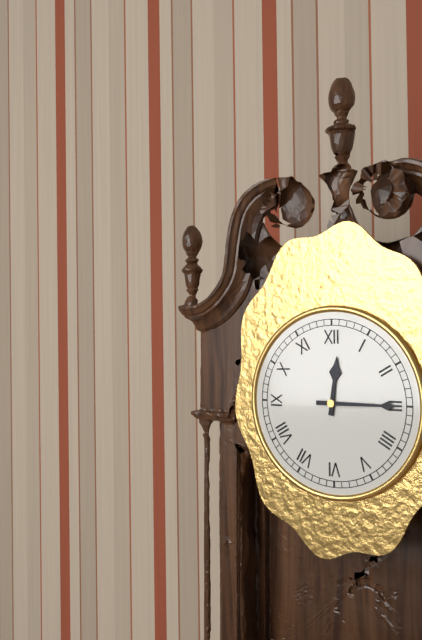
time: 12:15
